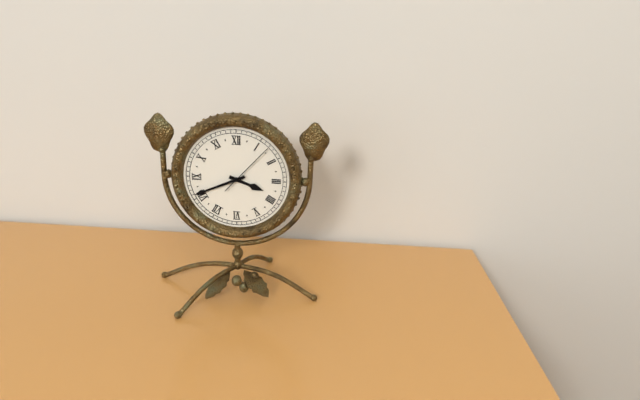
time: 3:41:07
